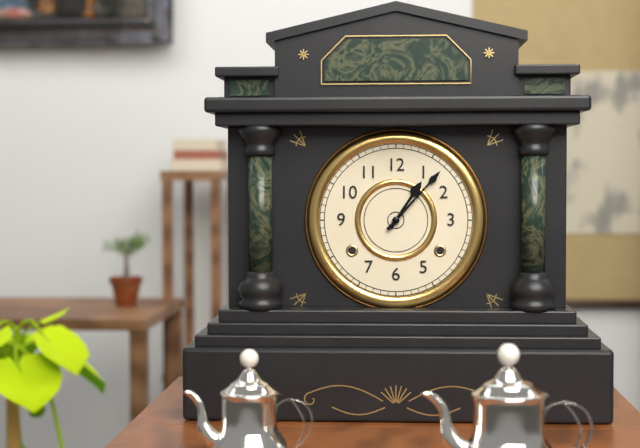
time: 1:07
